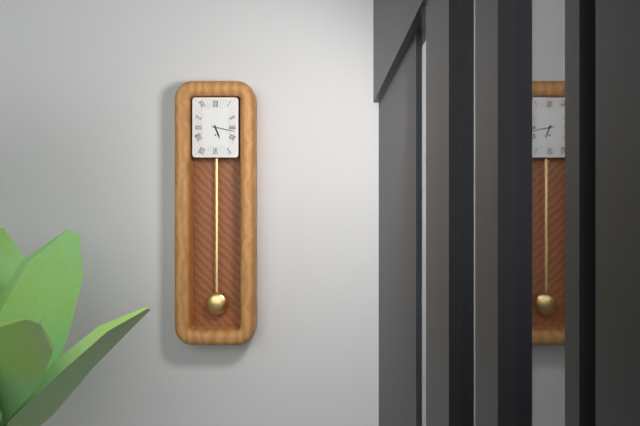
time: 5:17
